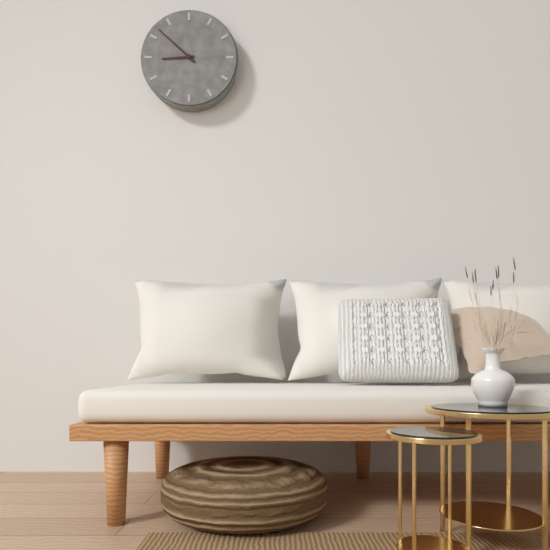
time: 8:52
